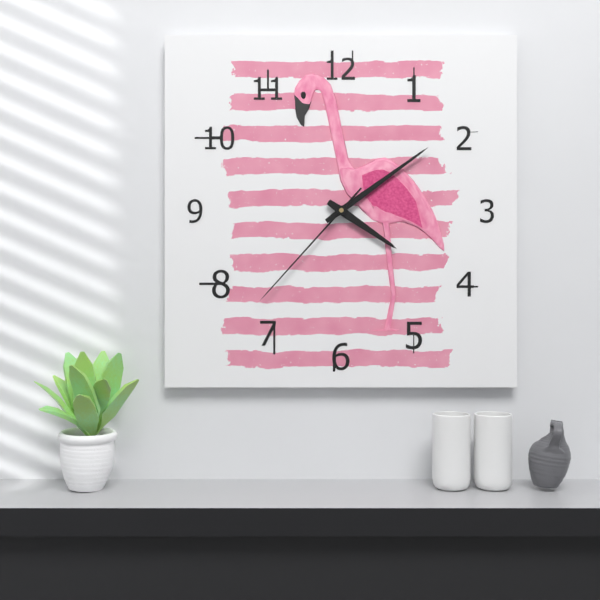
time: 4:09:37
